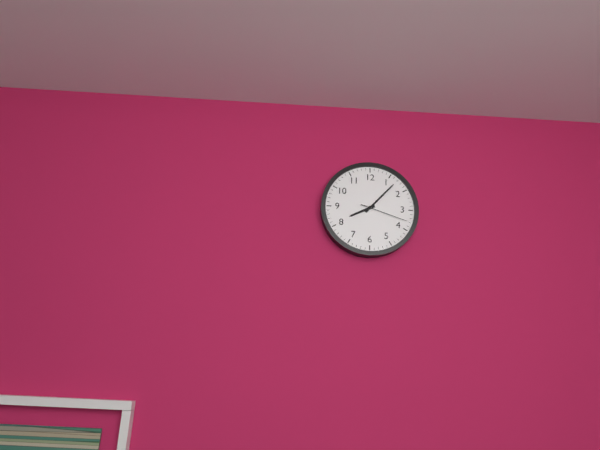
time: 8:07:18
